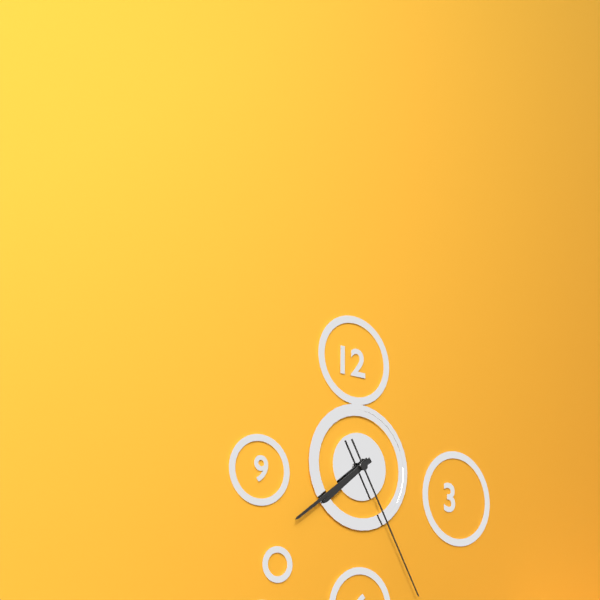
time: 7:39:25
